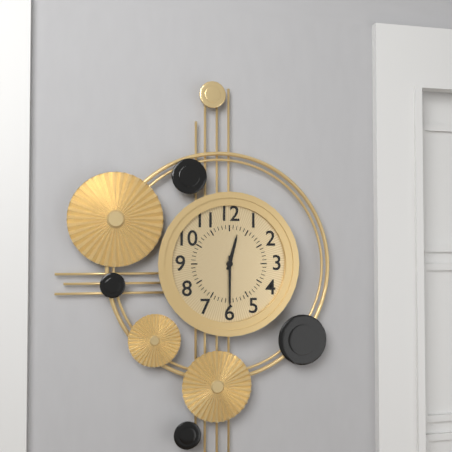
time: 12:30
